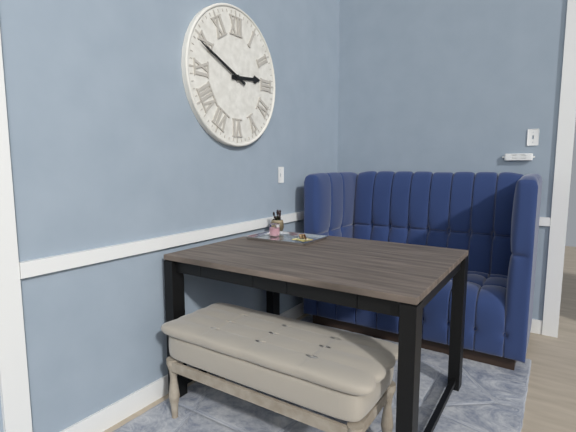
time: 2:49
